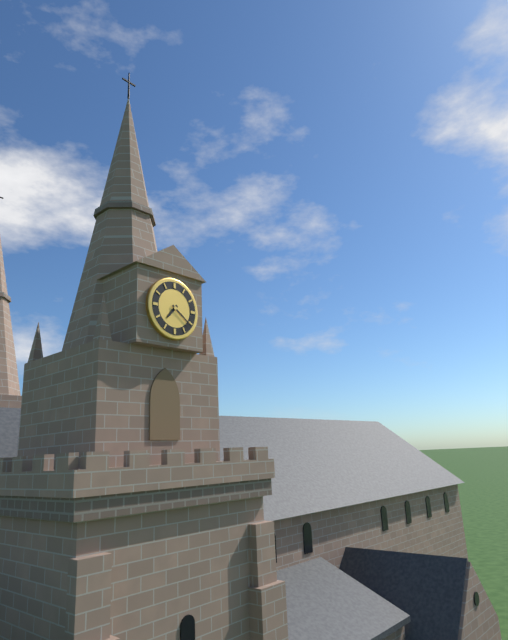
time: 7:21
